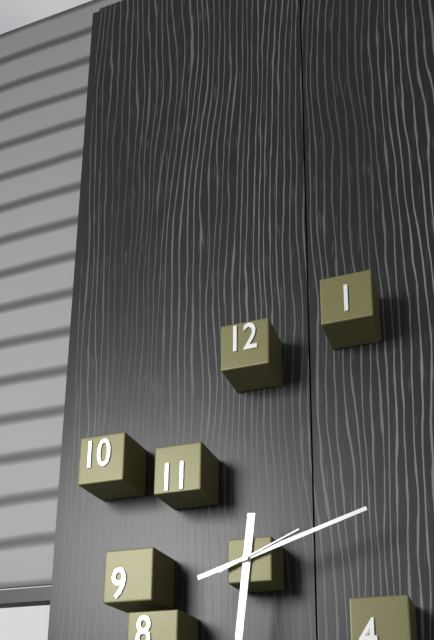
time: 6:12:11
